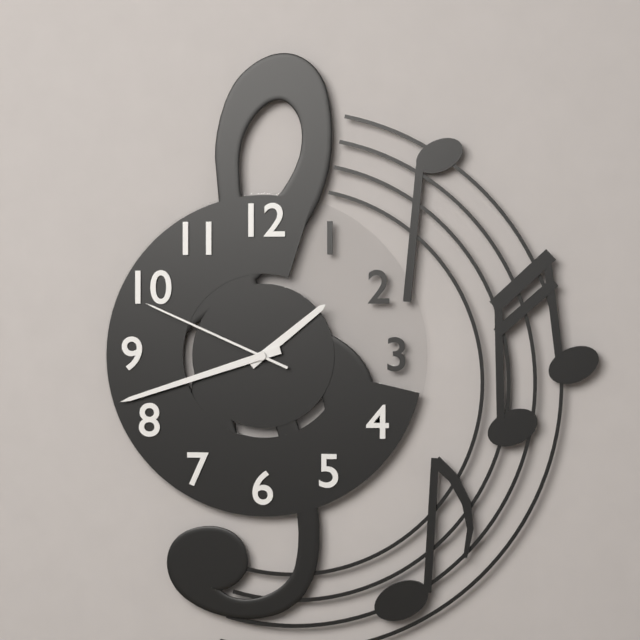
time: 1:42:49
